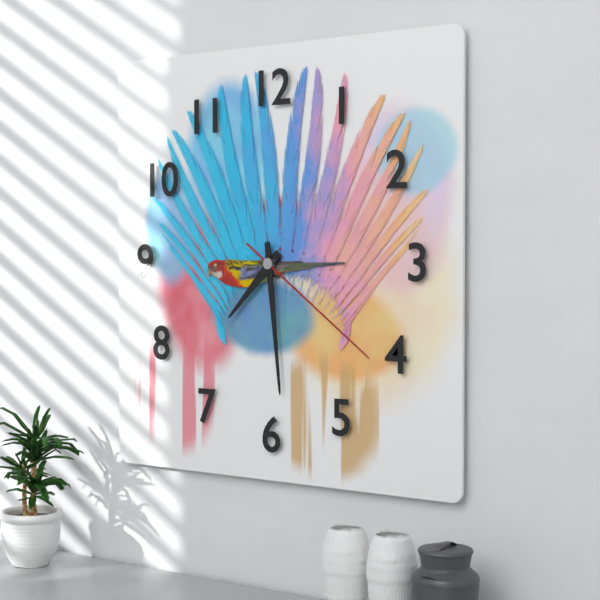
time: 7:29:21
